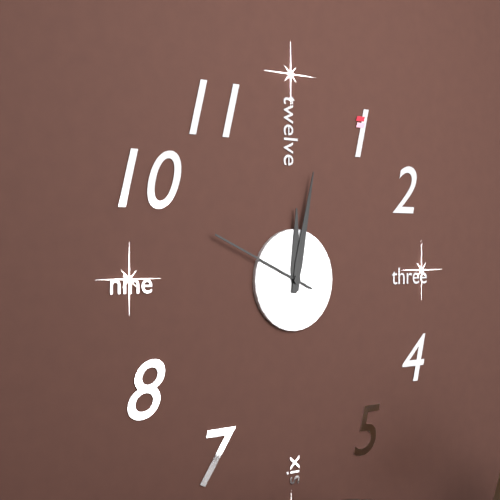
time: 12:02:49
